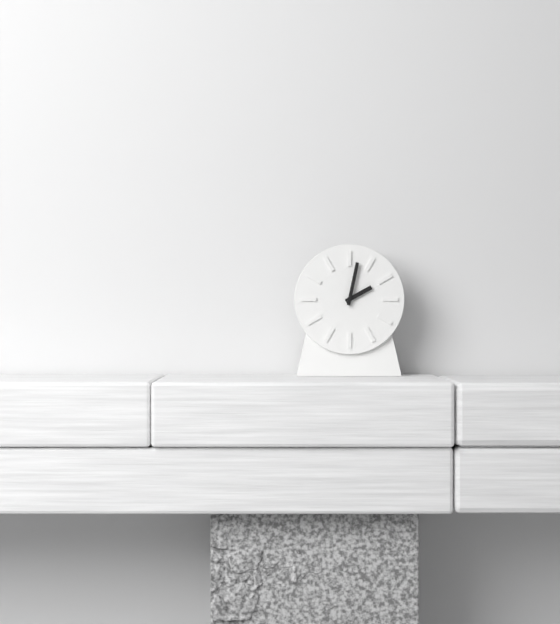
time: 2:02
